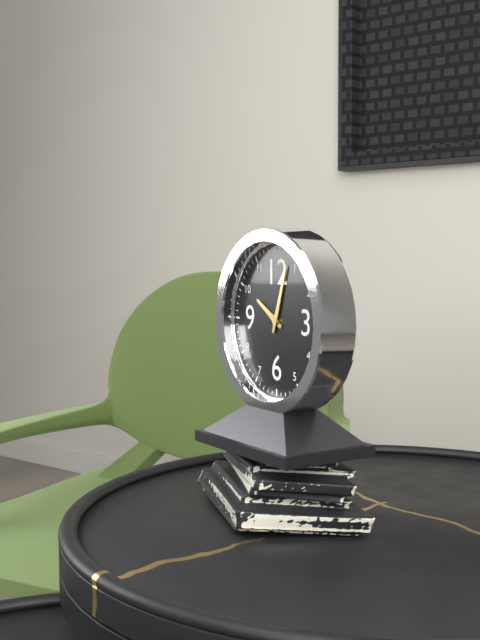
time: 10:03
